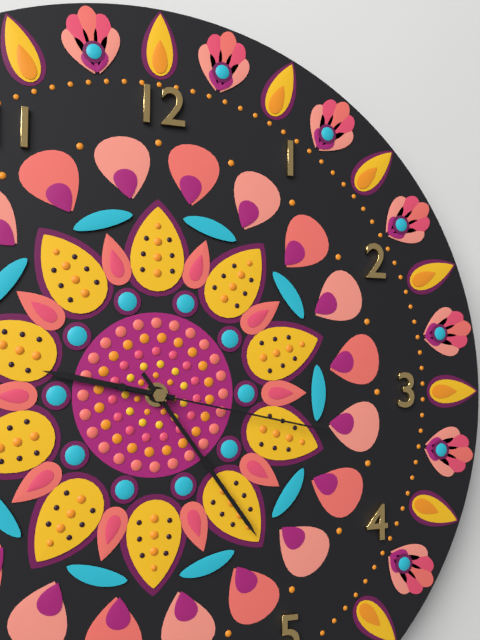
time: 9:24:17
